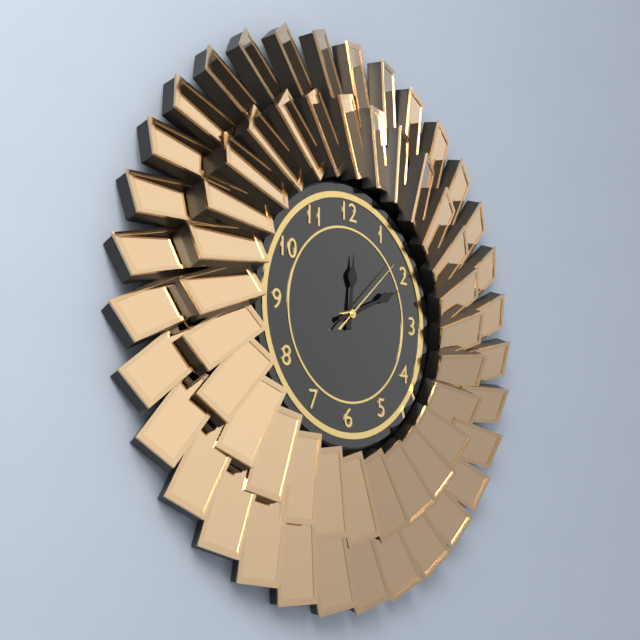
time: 12:11:08
